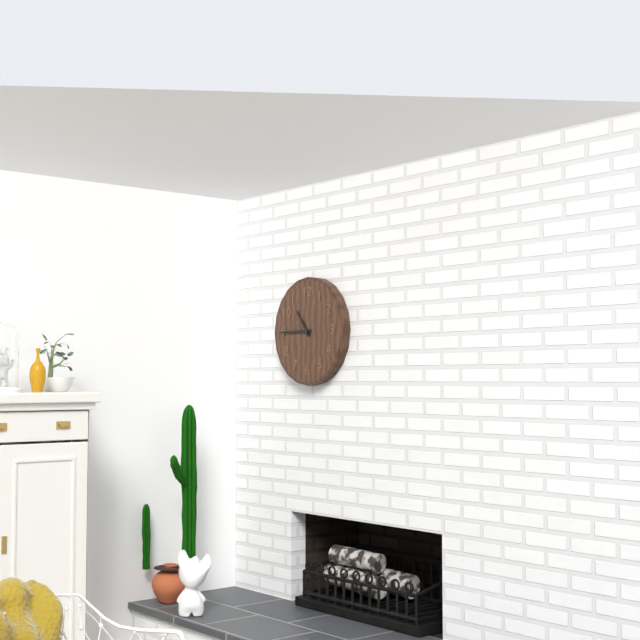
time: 10:45
